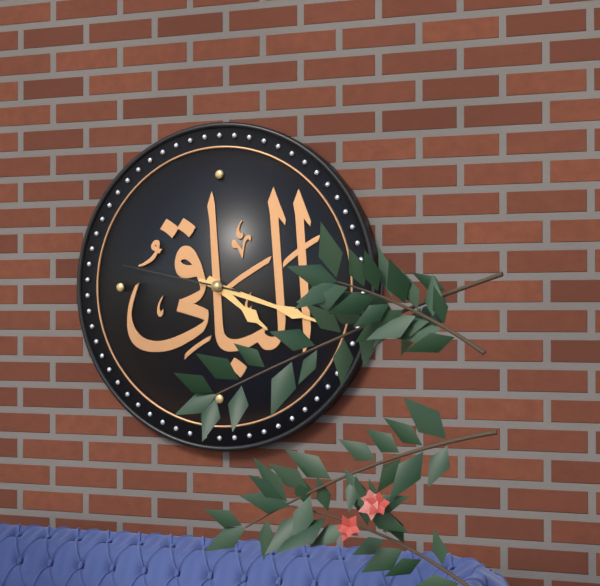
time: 4:18:47
